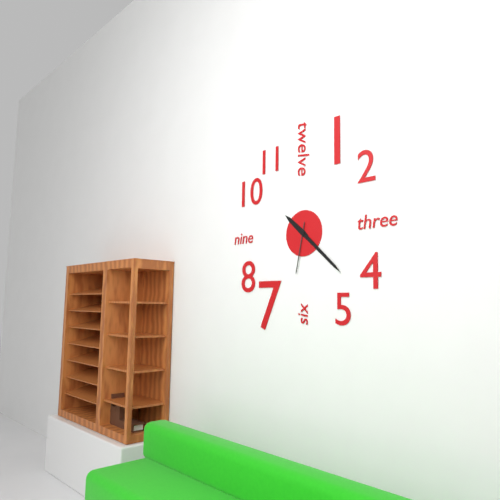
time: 10:22:32
